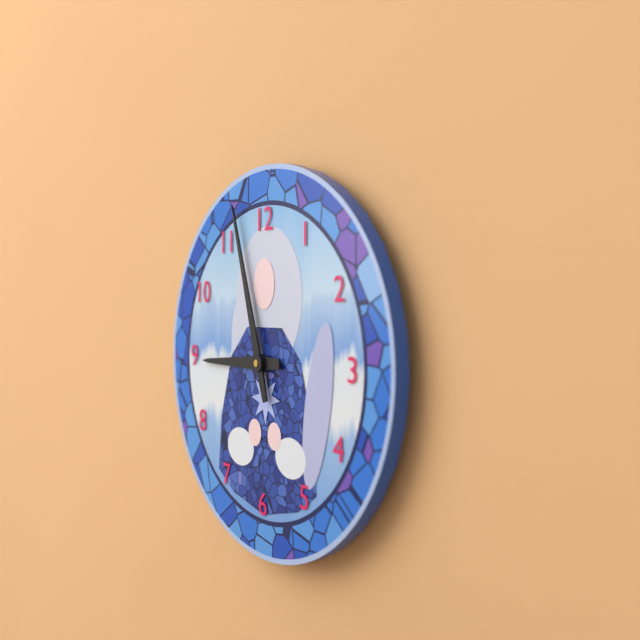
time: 8:57
